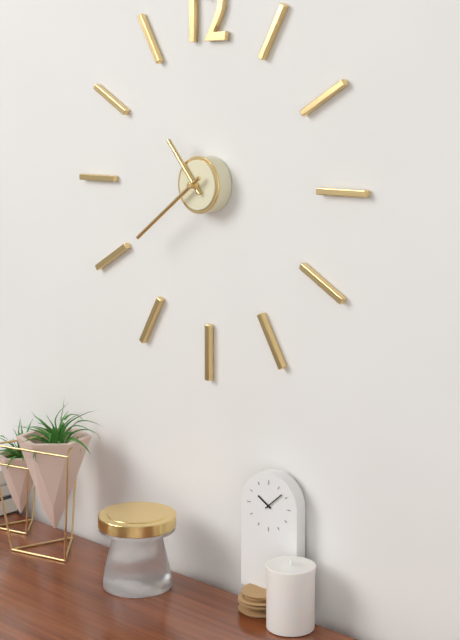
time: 10:39
